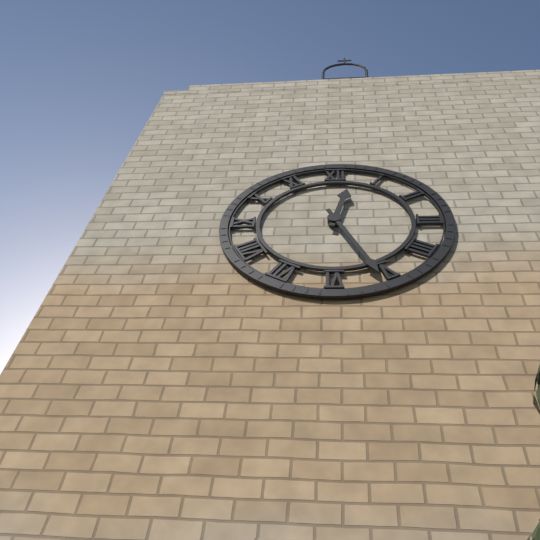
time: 12:26
